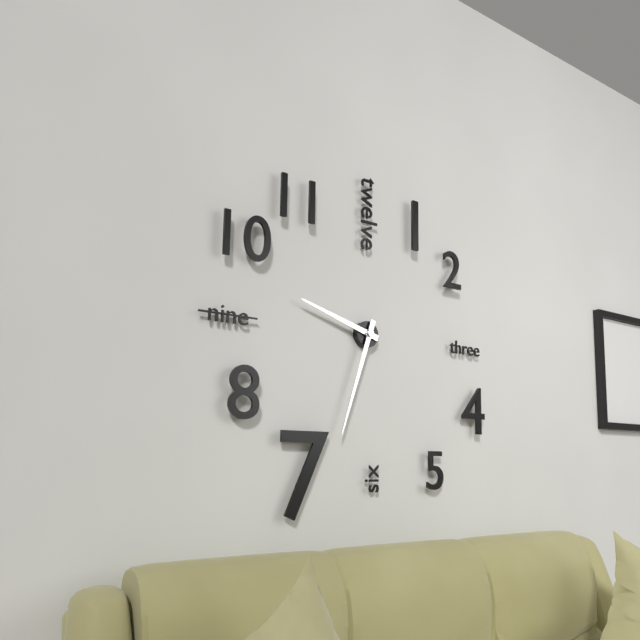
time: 9:33
